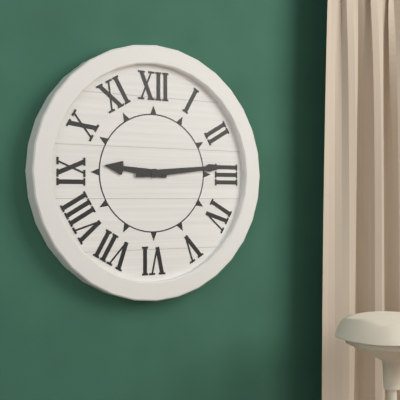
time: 9:14
